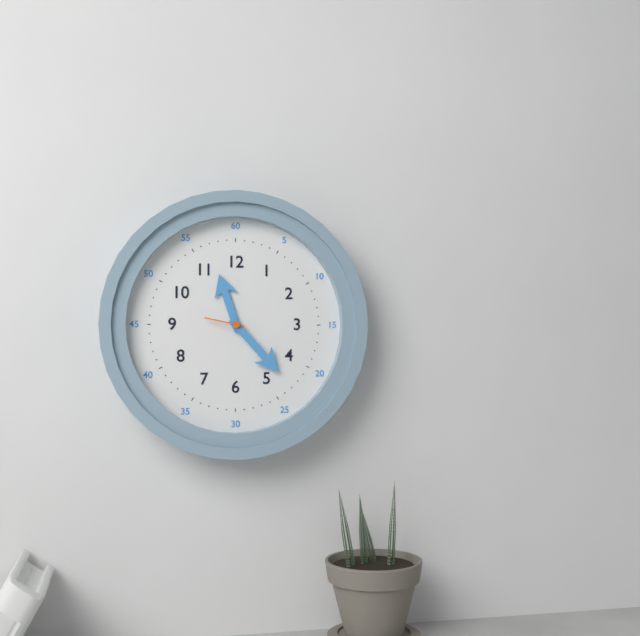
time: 11:23
